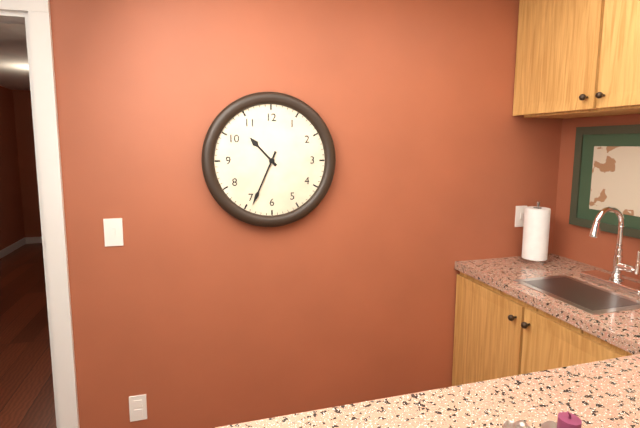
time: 10:34
